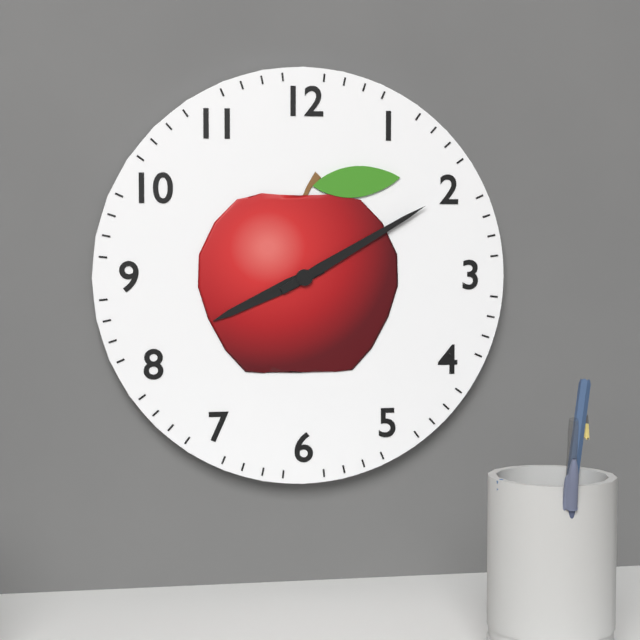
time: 8:10
